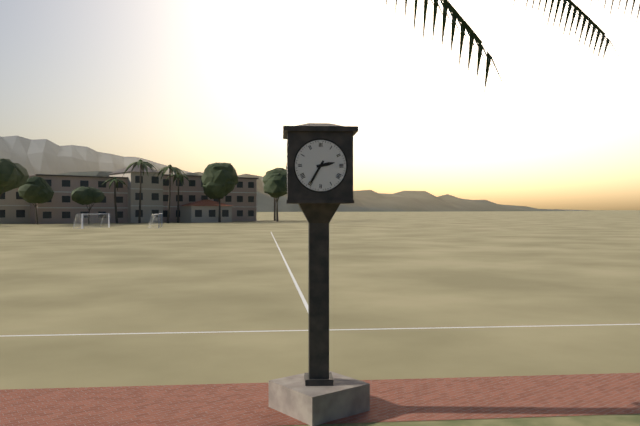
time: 2:35
